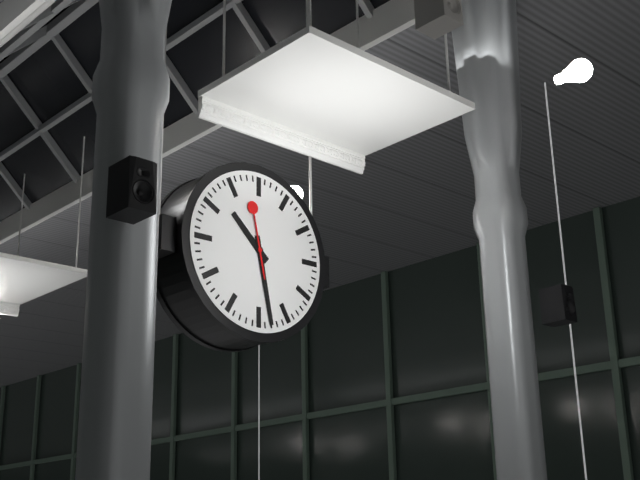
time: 10:28:58
